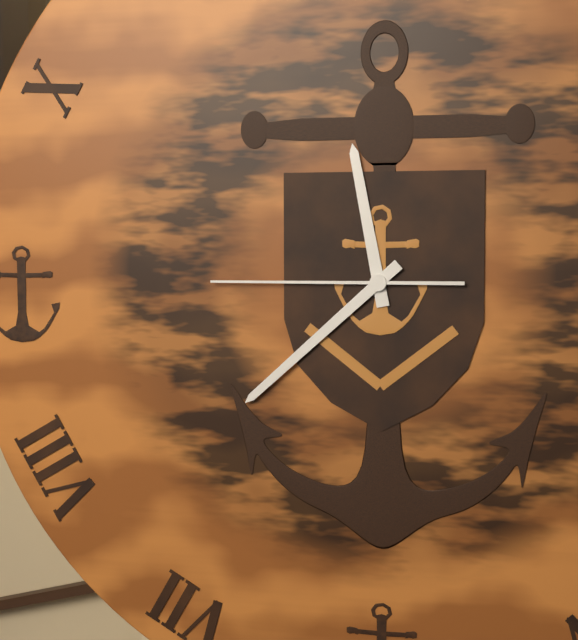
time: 11:38:45
